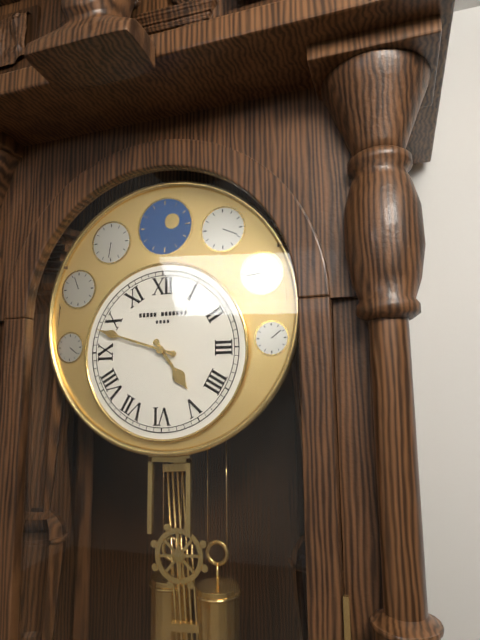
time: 4:48
